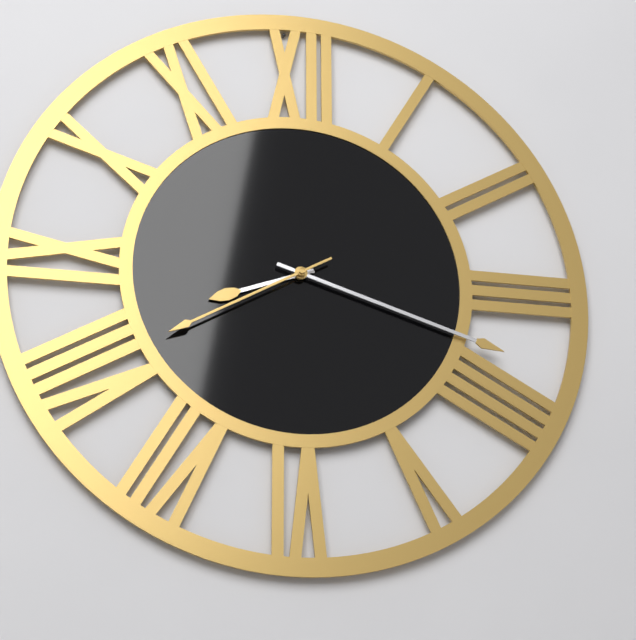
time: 8:18:40
